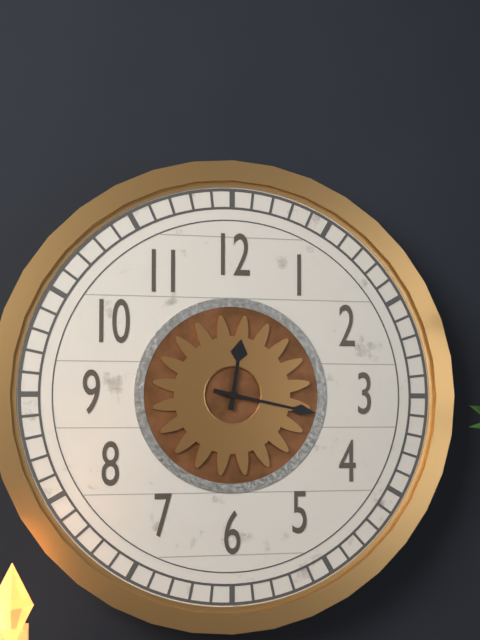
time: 12:17
